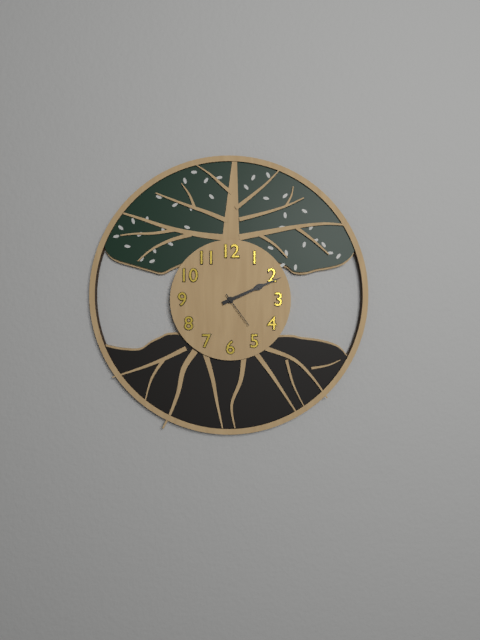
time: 2:11
